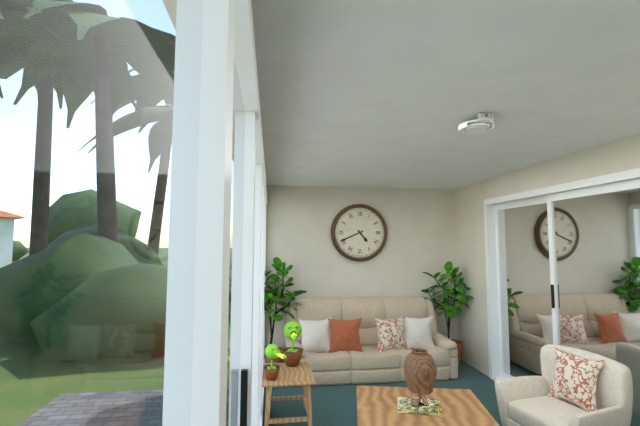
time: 4:41
